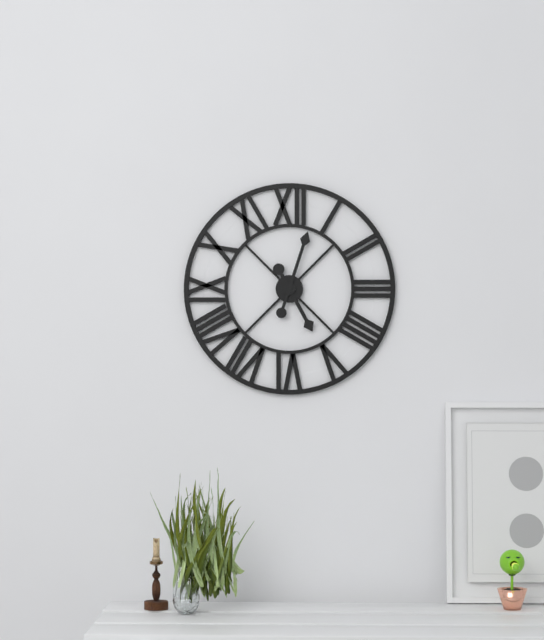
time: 5:03
